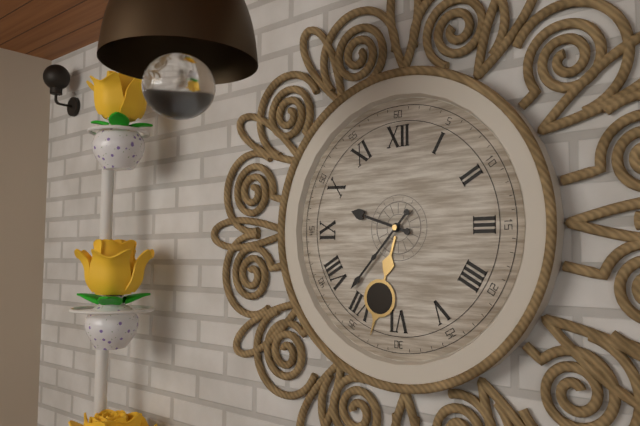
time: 9:37
